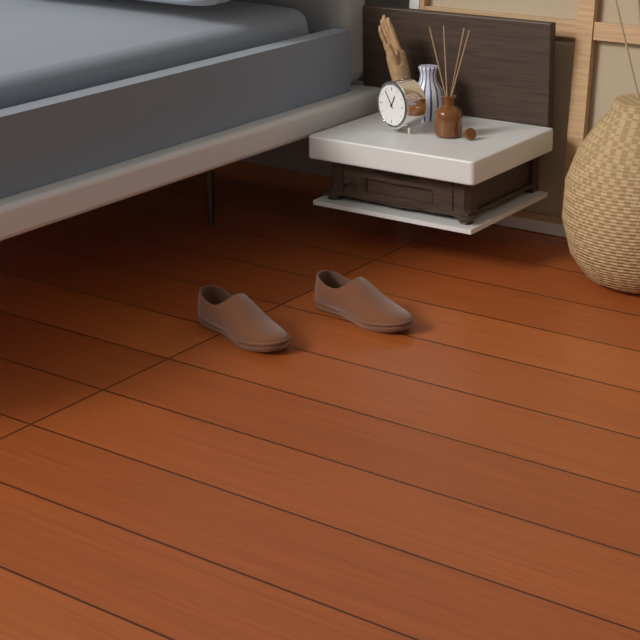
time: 12:54
